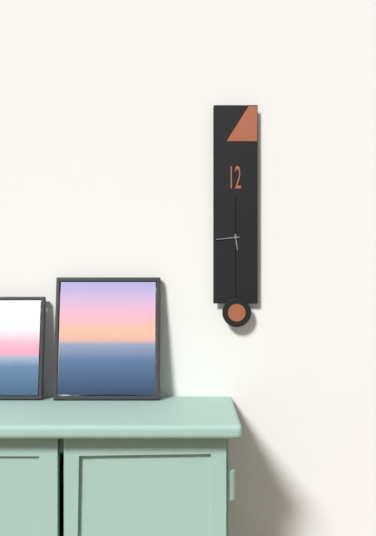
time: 5:44
